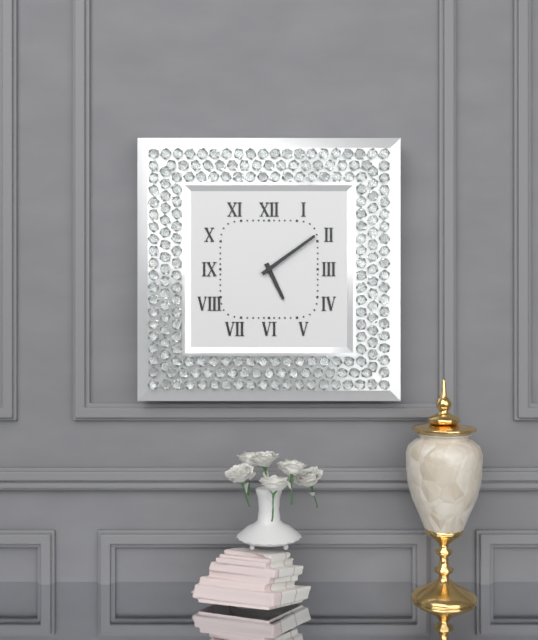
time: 5:09
